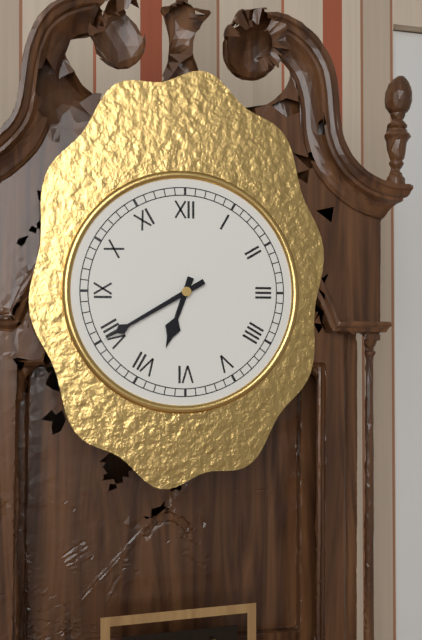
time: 6:40
